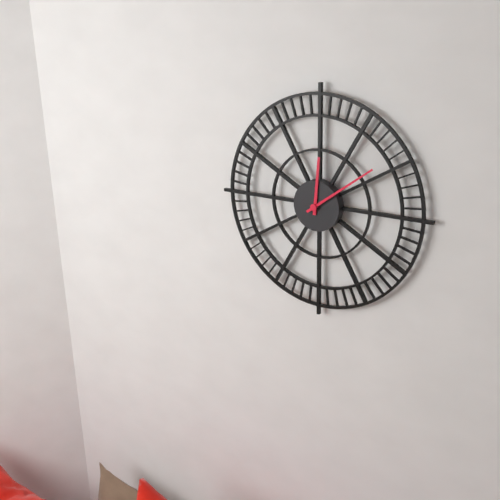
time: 12:09
